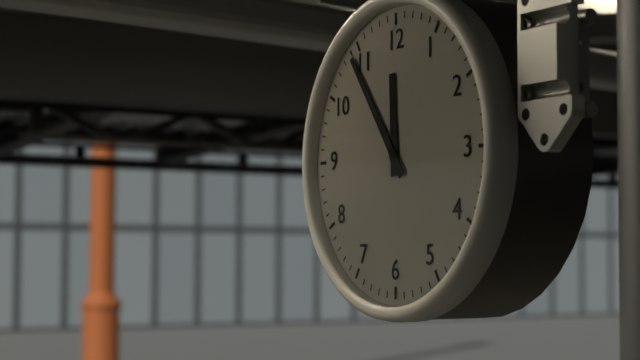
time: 11:54
